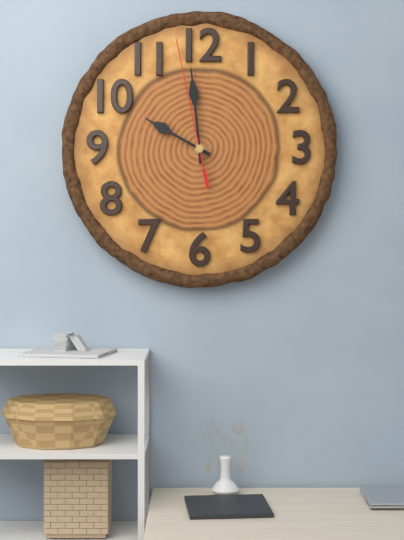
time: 9:59:58
